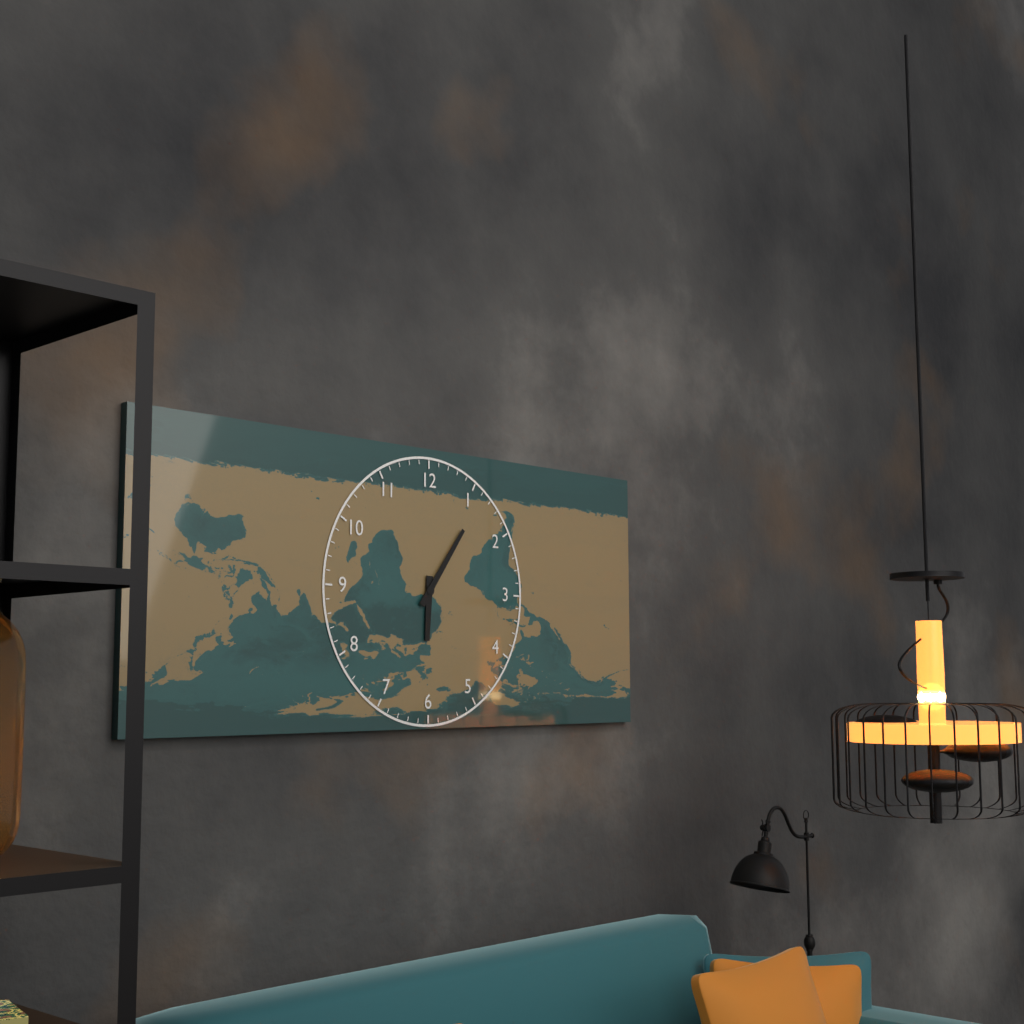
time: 6:06
